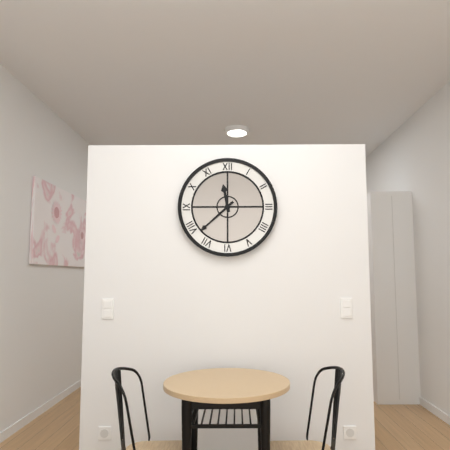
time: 11:38
